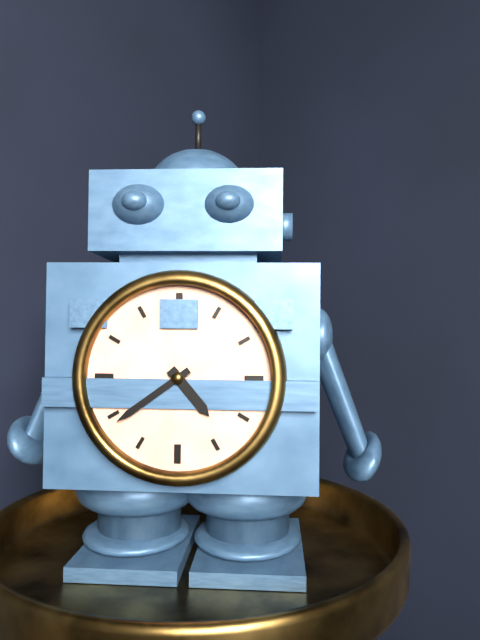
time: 4:39
